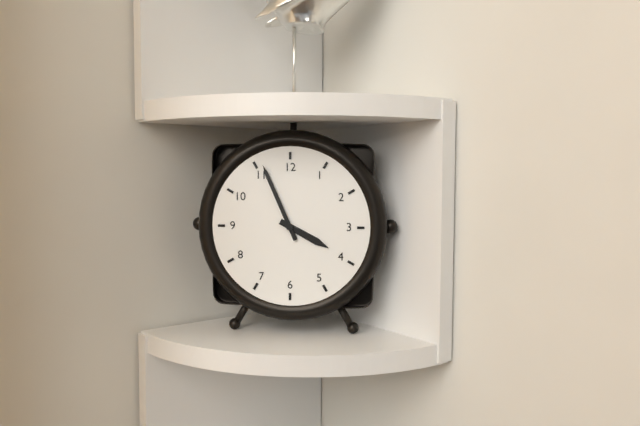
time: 3:56
